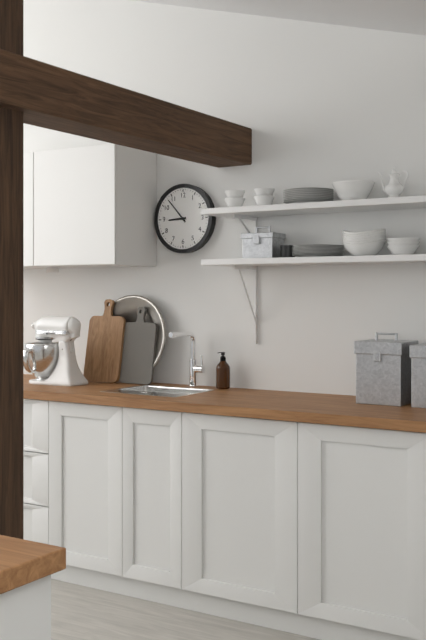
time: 8:53
